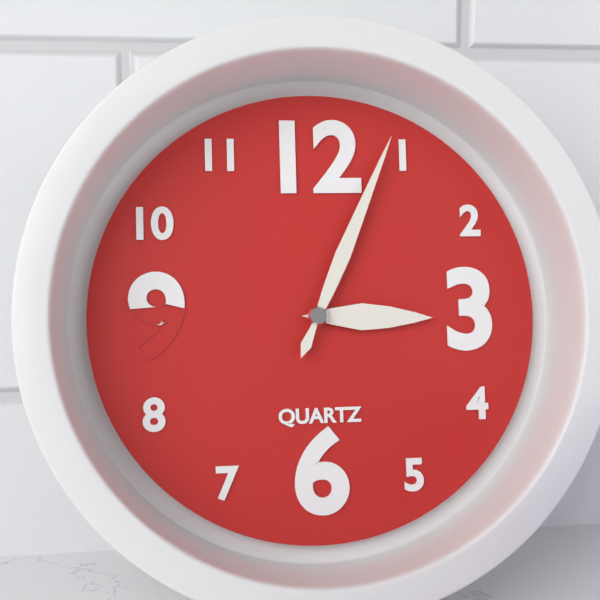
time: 3:04
